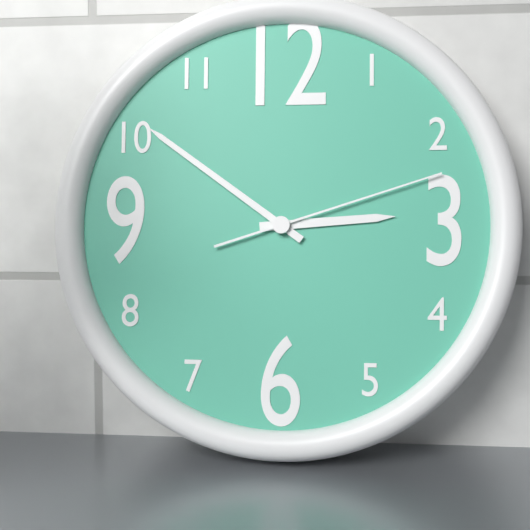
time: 2:51:12
